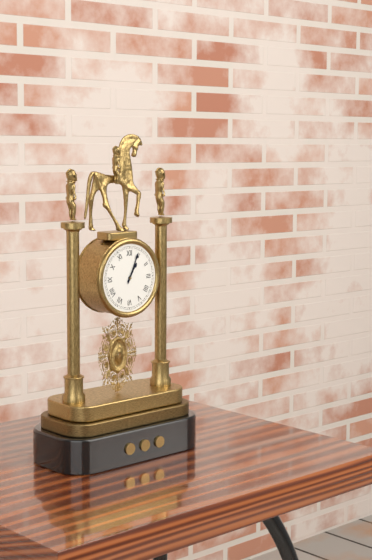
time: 1:04
